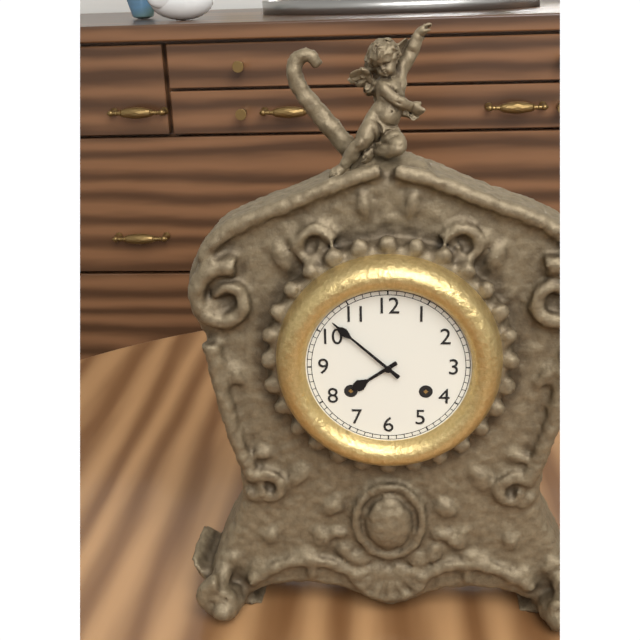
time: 7:52
